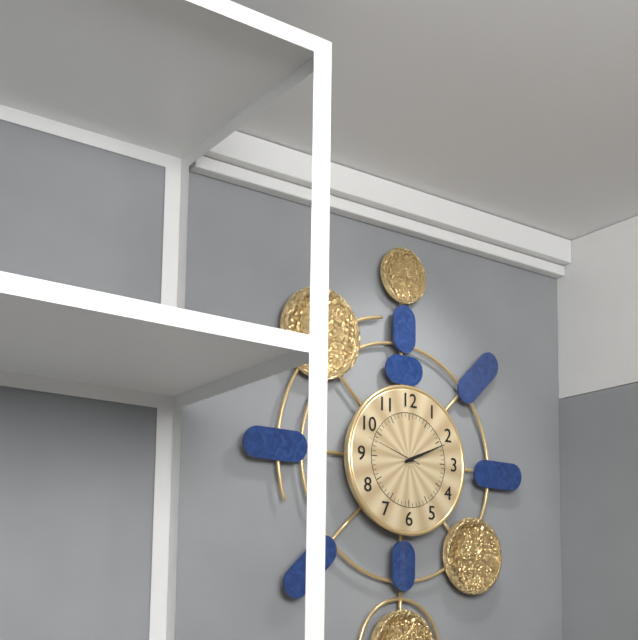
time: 2:11:48
